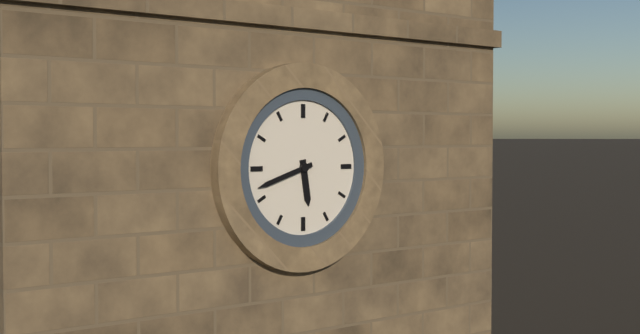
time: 5:42
